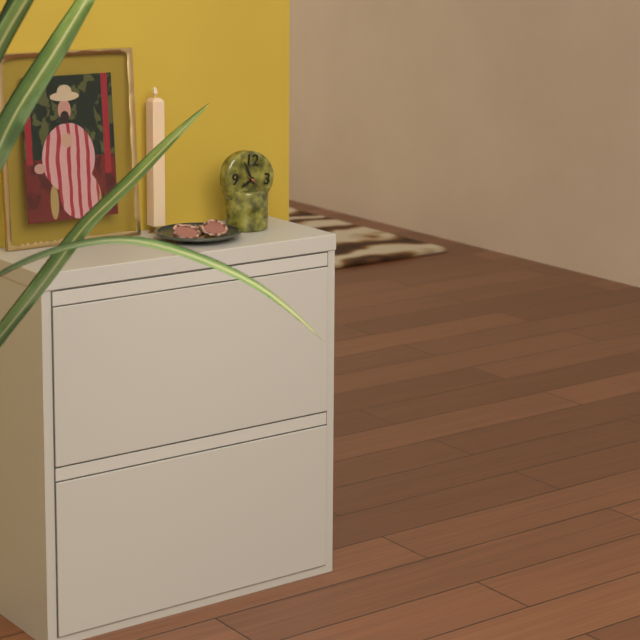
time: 7:55
